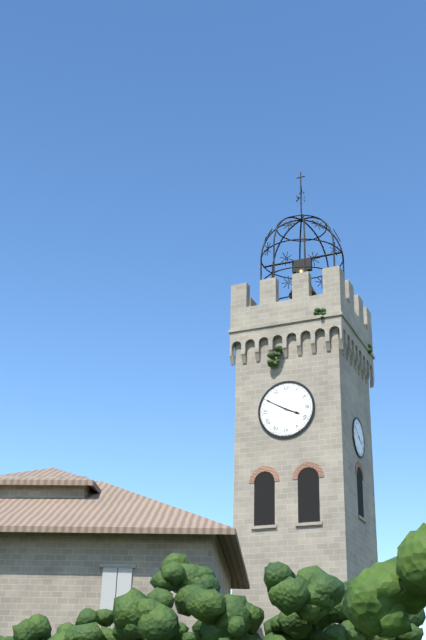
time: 3:50
